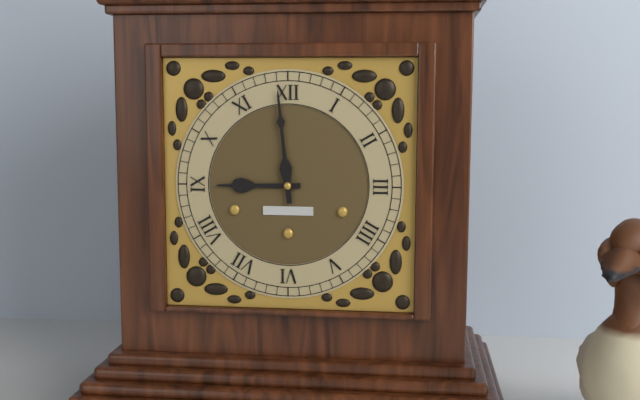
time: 8:59
